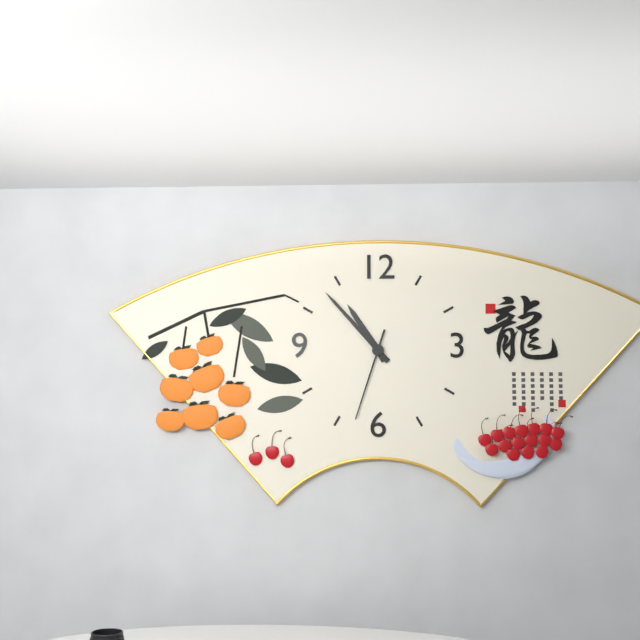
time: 10:53:33
